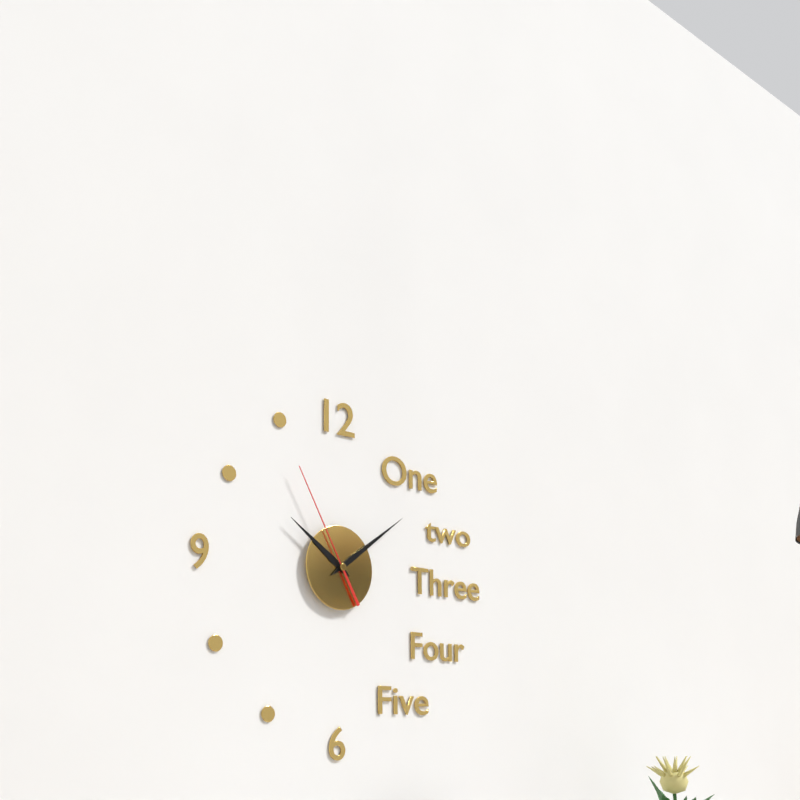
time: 10:09:55
